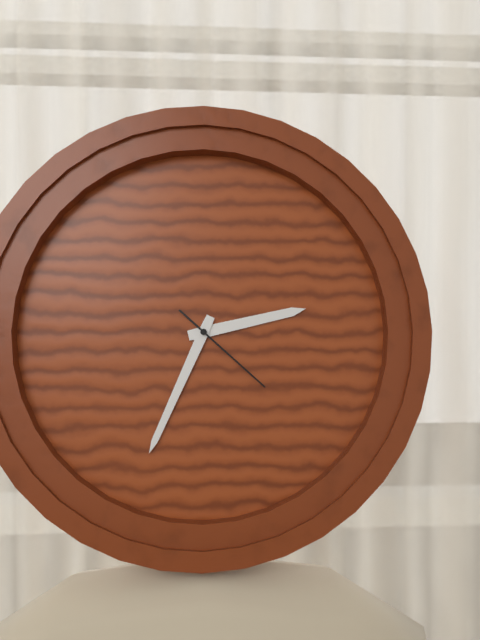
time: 2:34:22
